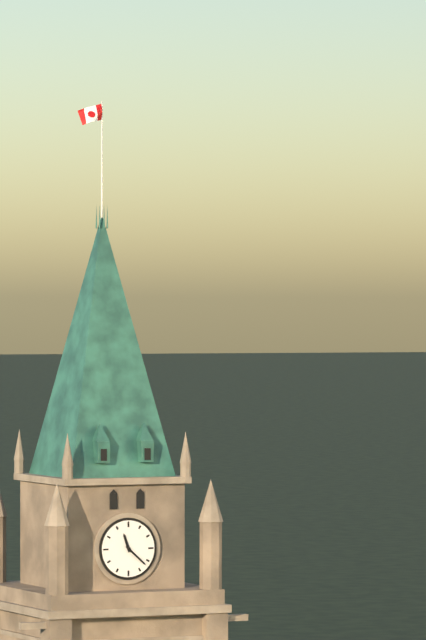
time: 11:22
